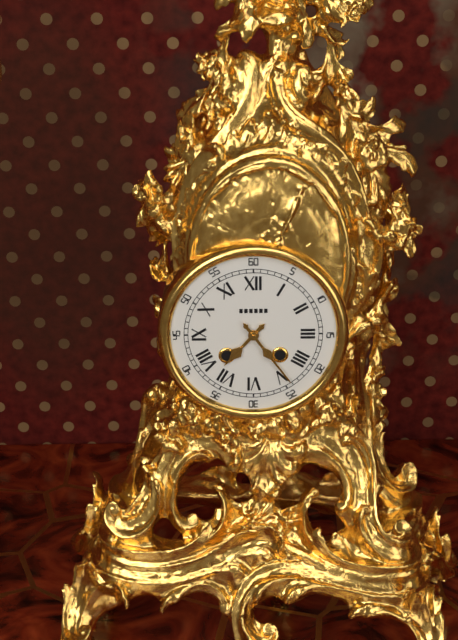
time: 7:24
